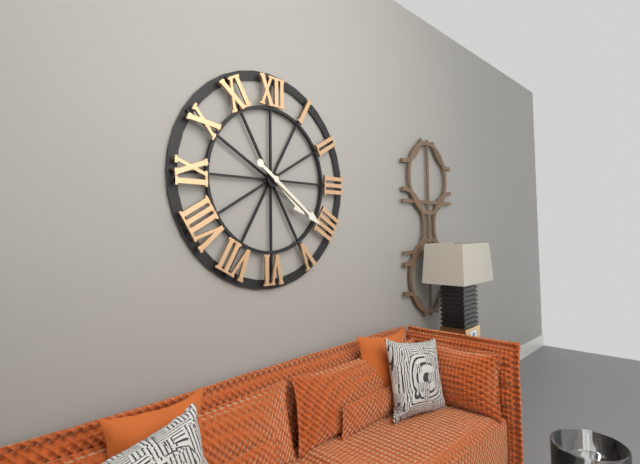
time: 4:21
